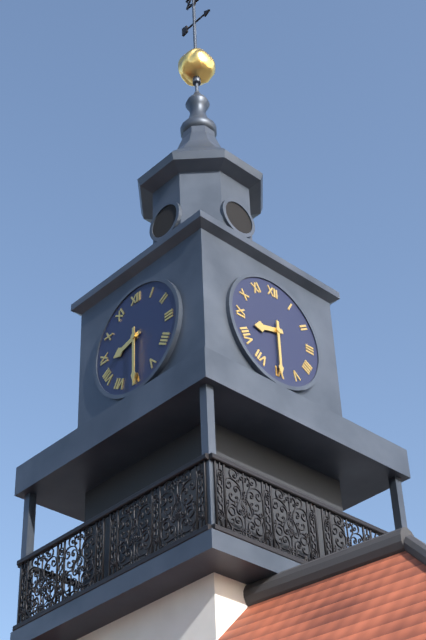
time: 8:30
